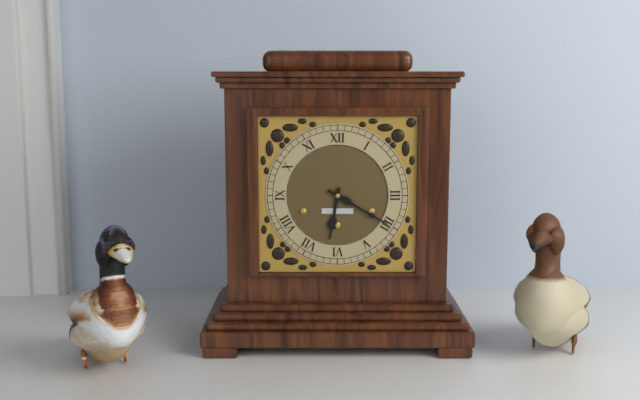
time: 6:20
